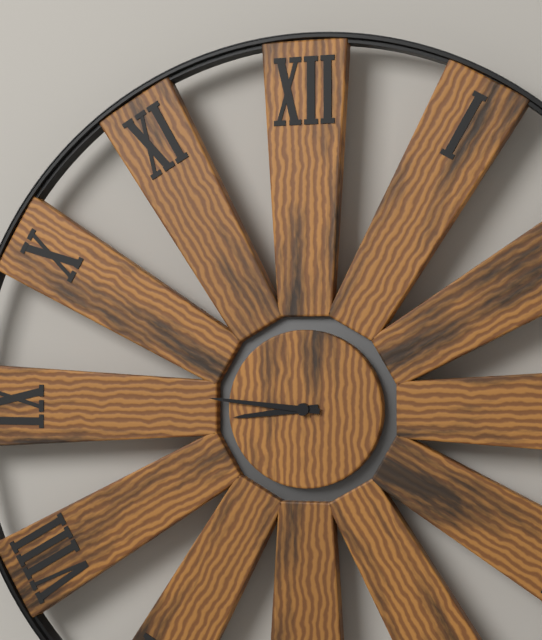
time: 8:46
